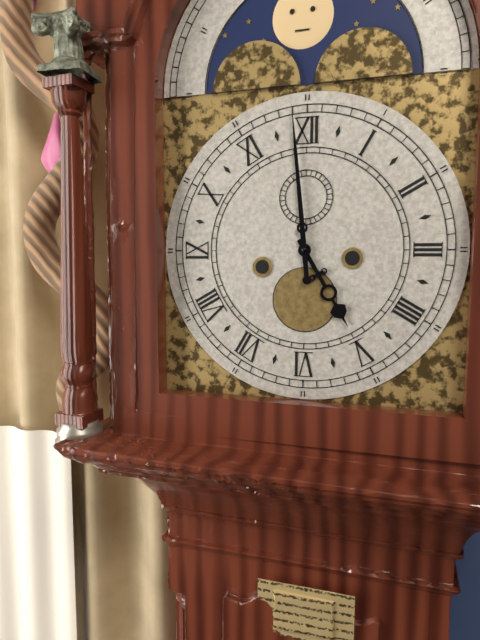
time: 4:59
